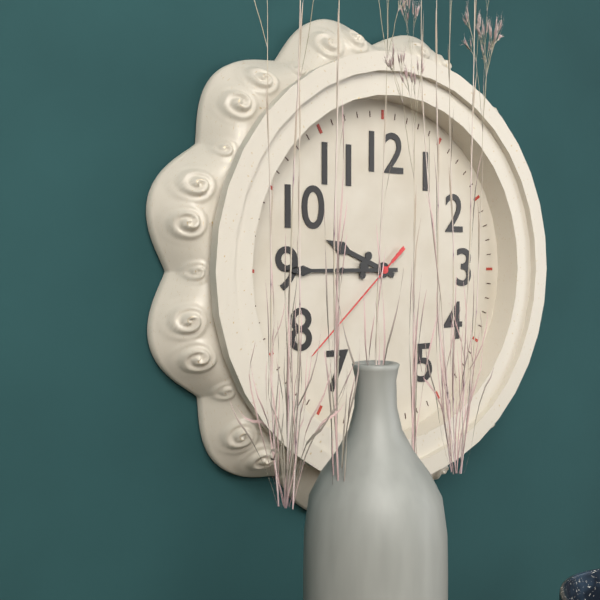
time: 9:45:38
